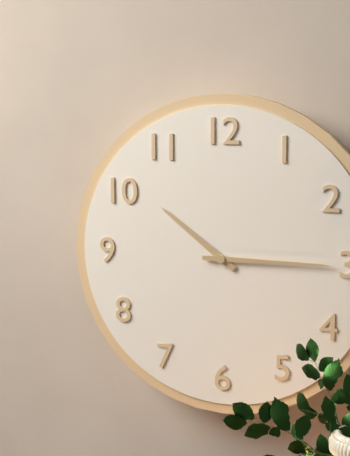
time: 10:15
